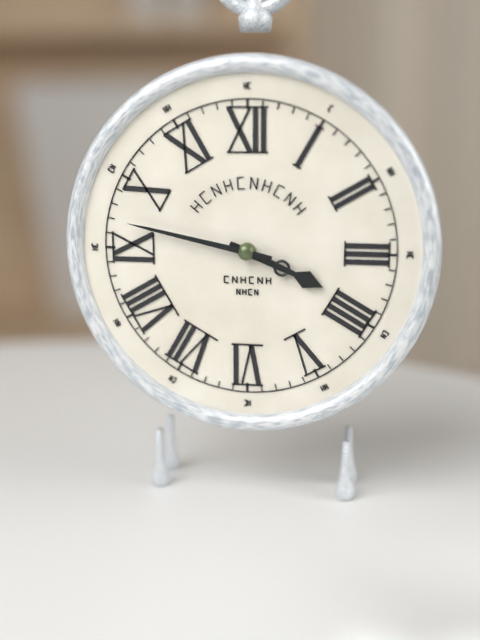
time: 3:47
